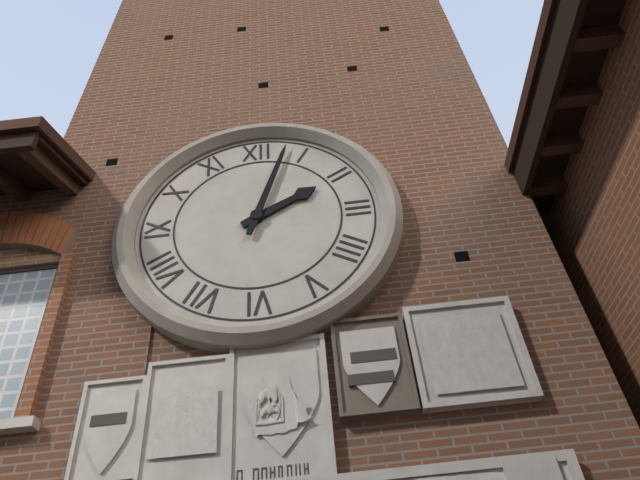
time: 2:03
